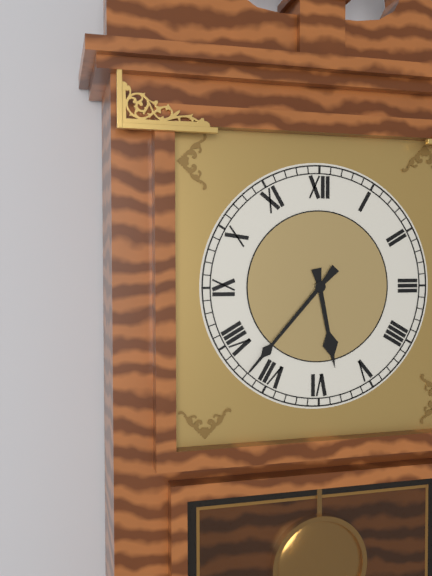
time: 5:37
